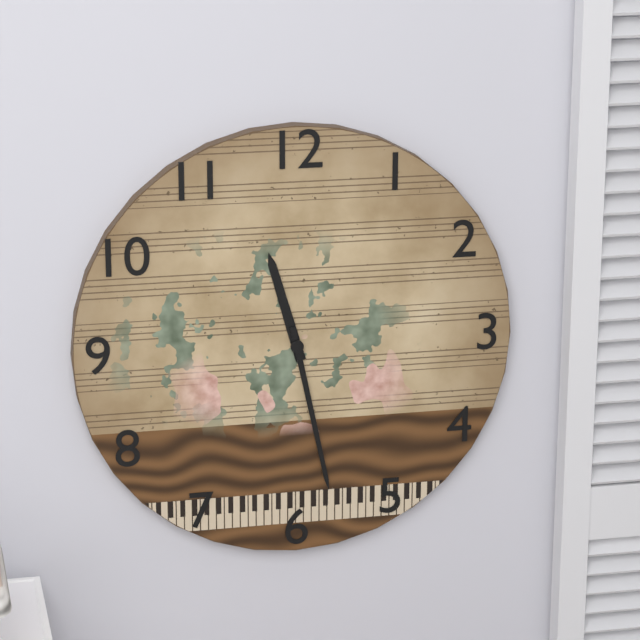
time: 11:28
